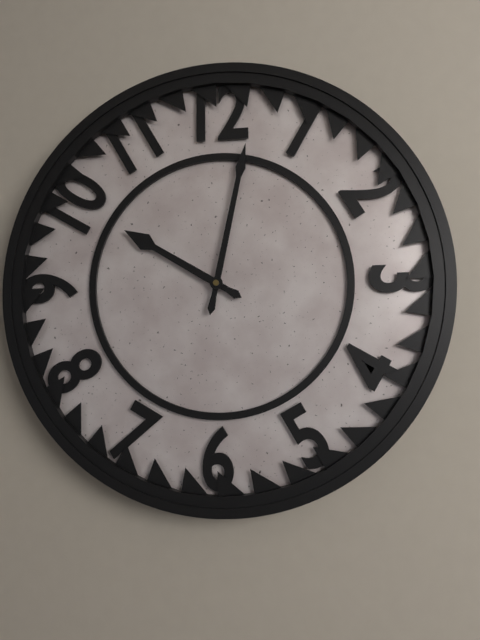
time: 10:02
